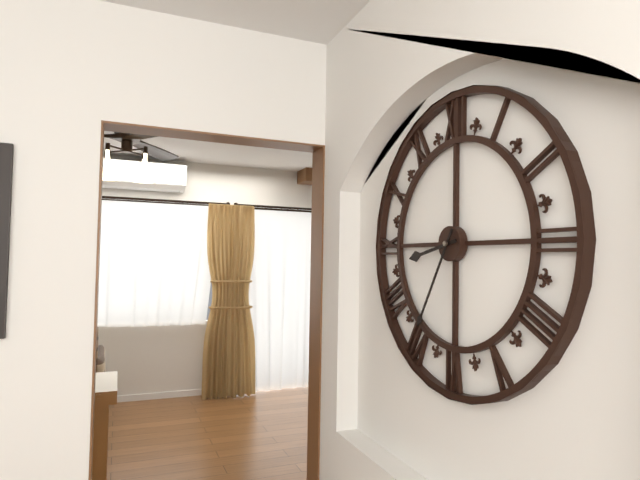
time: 8:35
